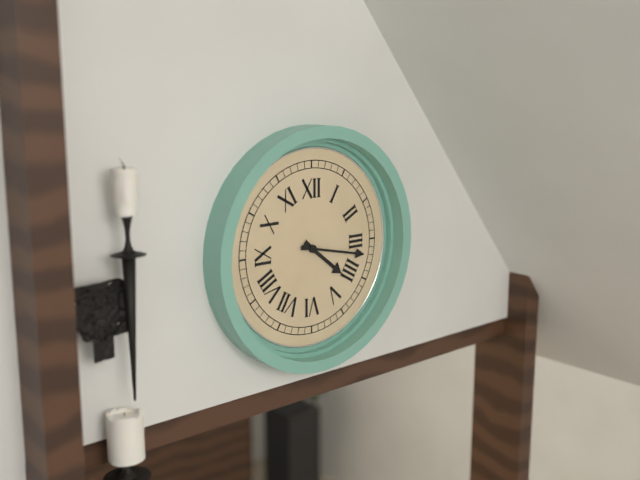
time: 4:17
